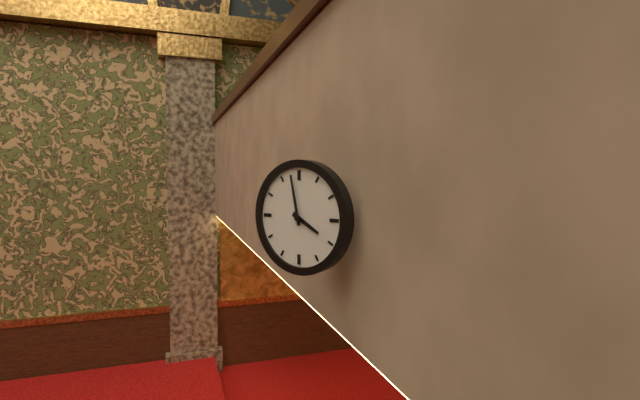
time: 3:58
